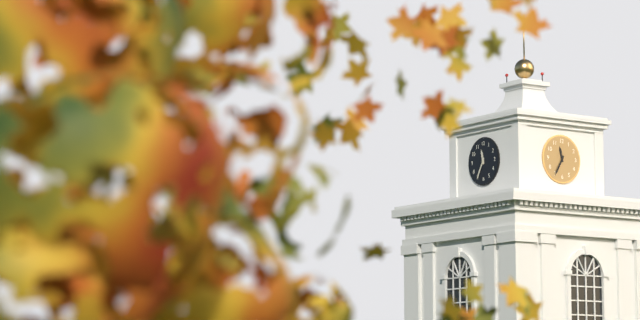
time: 11:35
